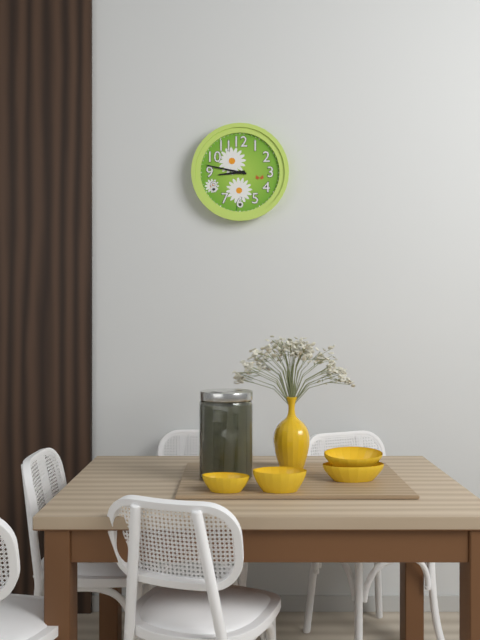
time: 8:47
